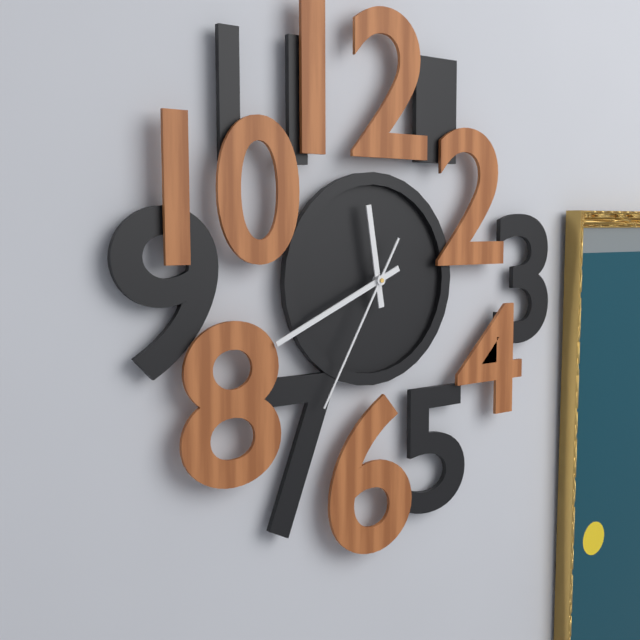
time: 11:41:35
